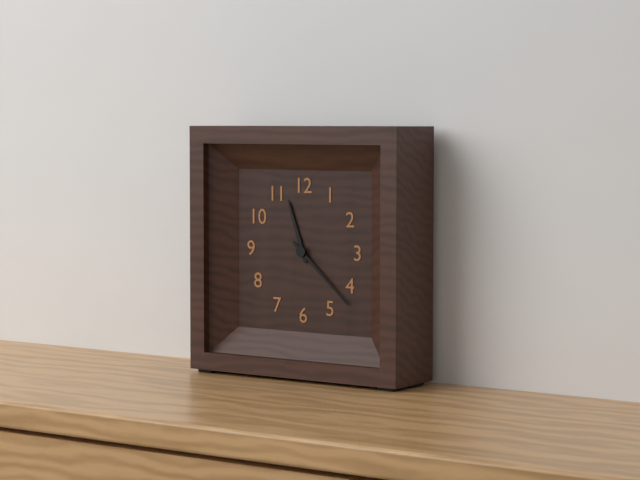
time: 11:22
